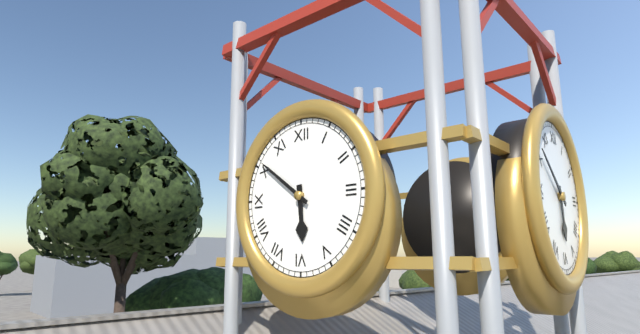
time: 5:51
